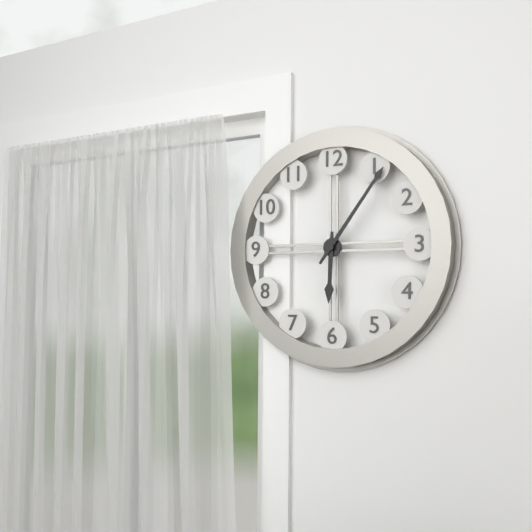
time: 6:06
